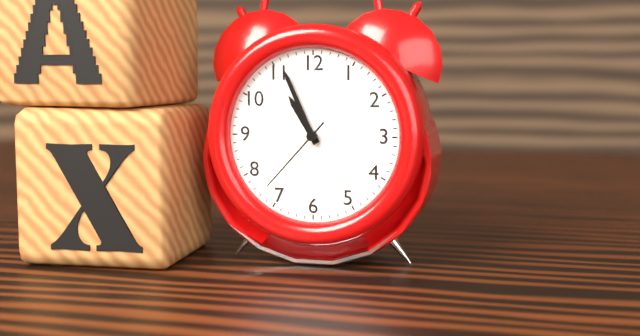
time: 10:56:37
